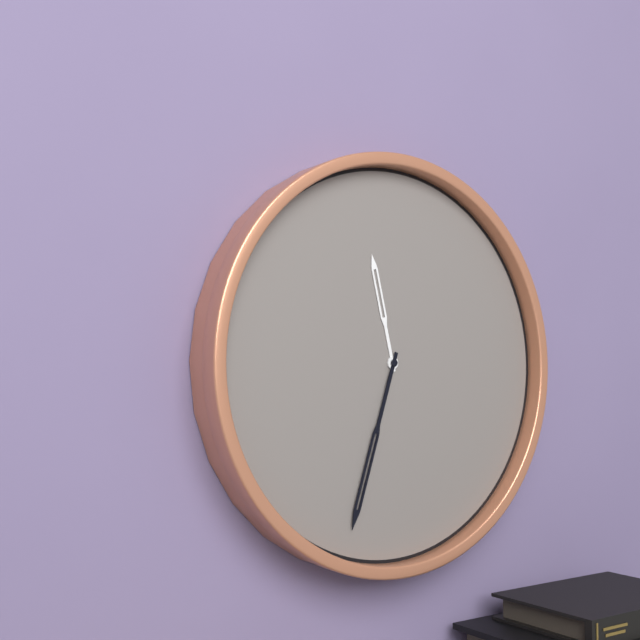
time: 11:33
